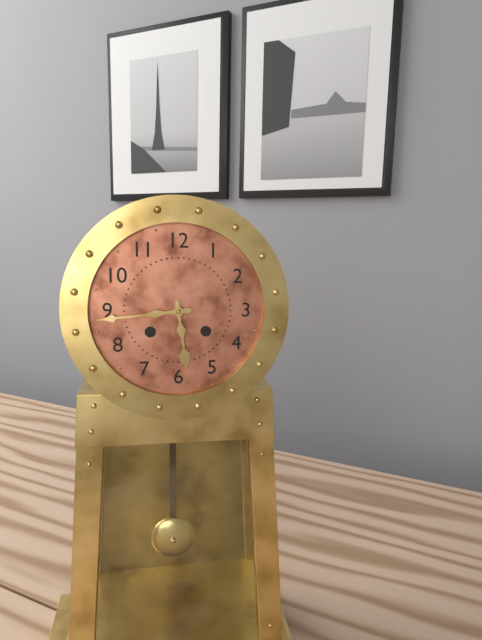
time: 5:44
